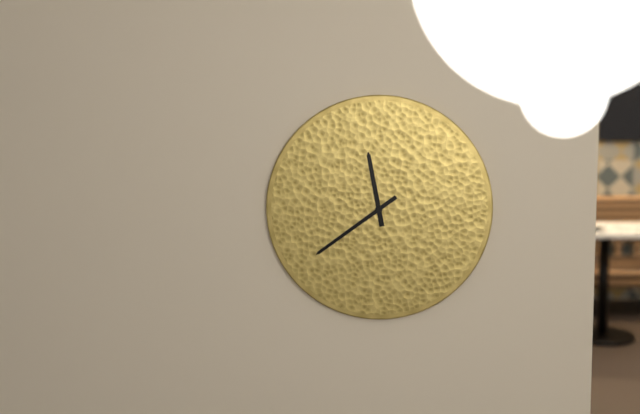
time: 11:39
